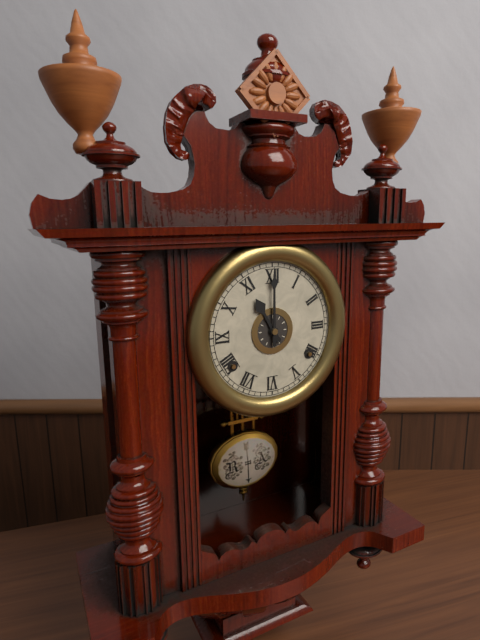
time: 11:00
